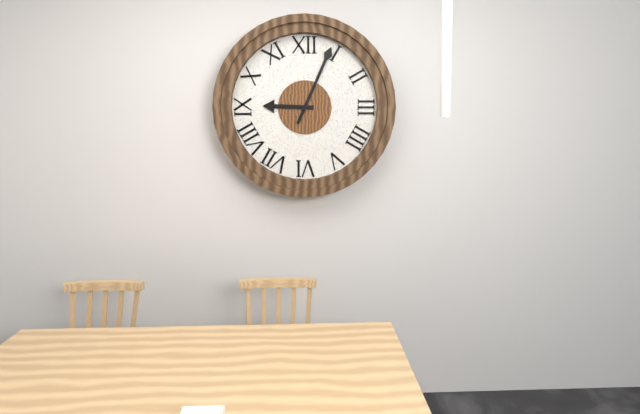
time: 9:04
